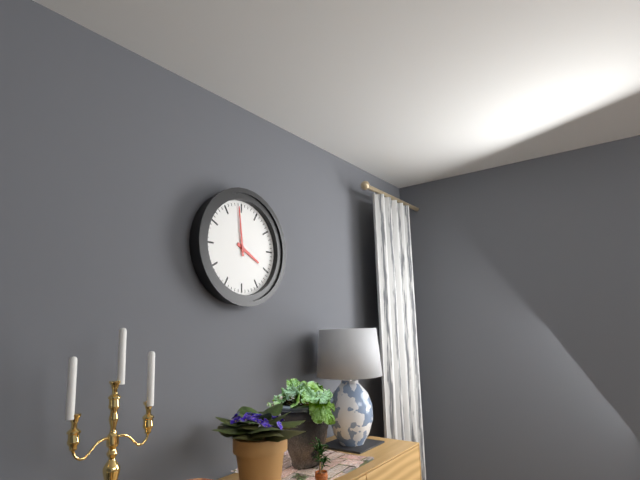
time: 3:59
